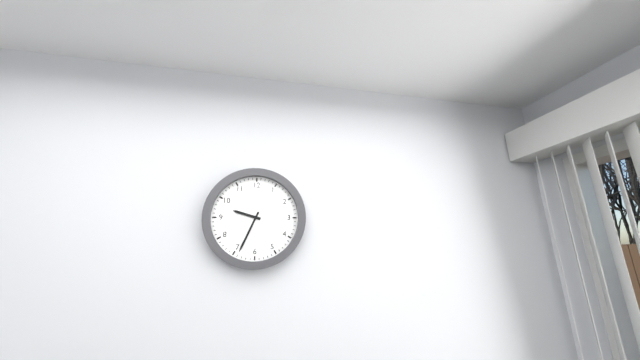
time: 9:34
